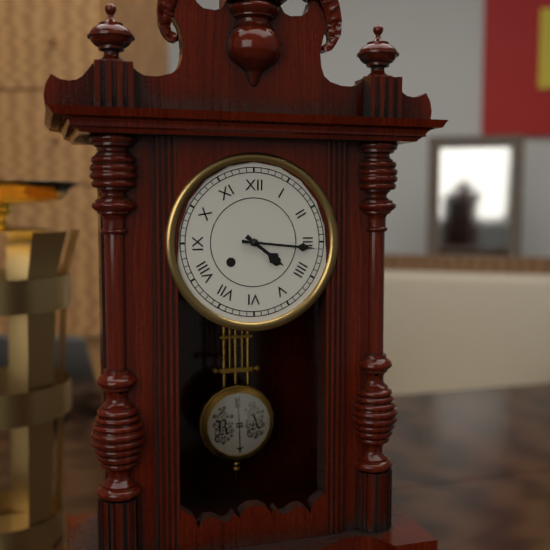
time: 4:16
